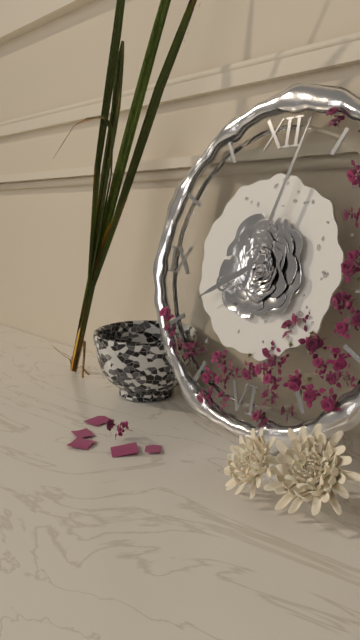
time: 8:03
